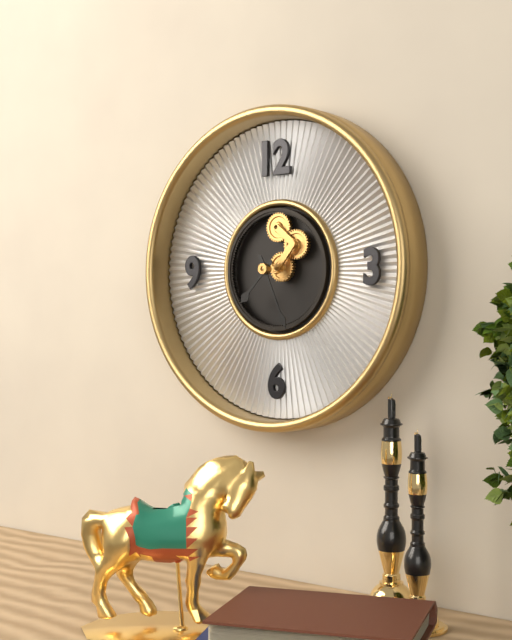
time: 7:26
